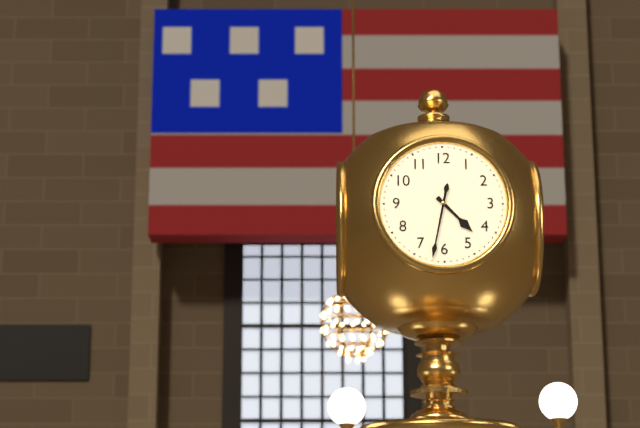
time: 4:32
